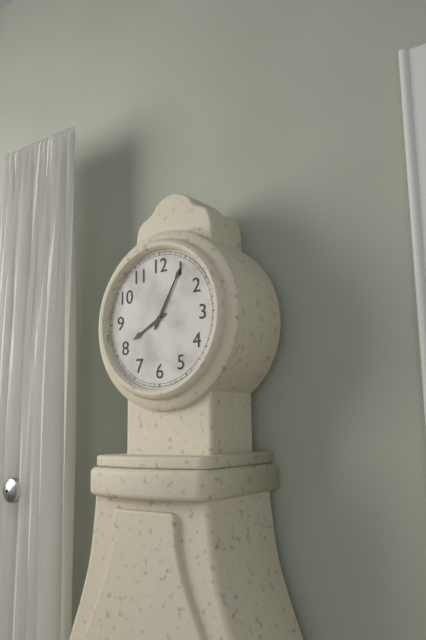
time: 8:05
